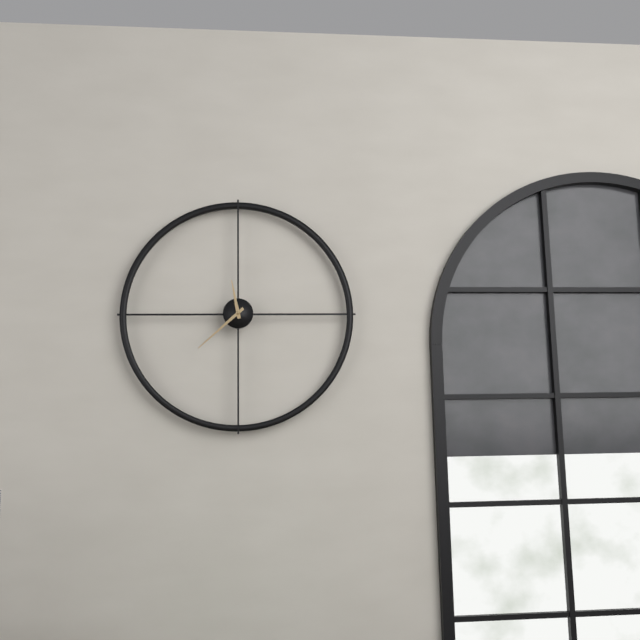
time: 11:38
